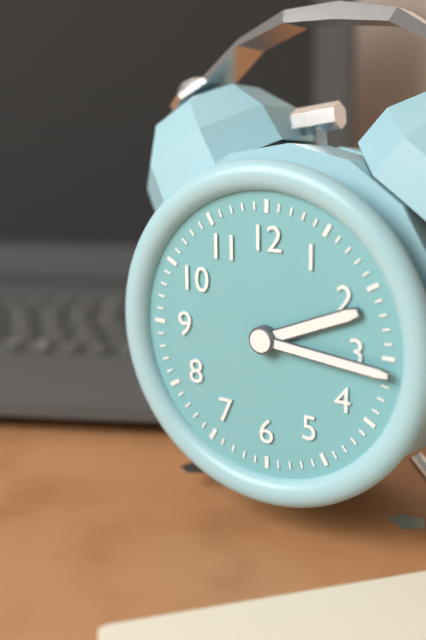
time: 2:16
